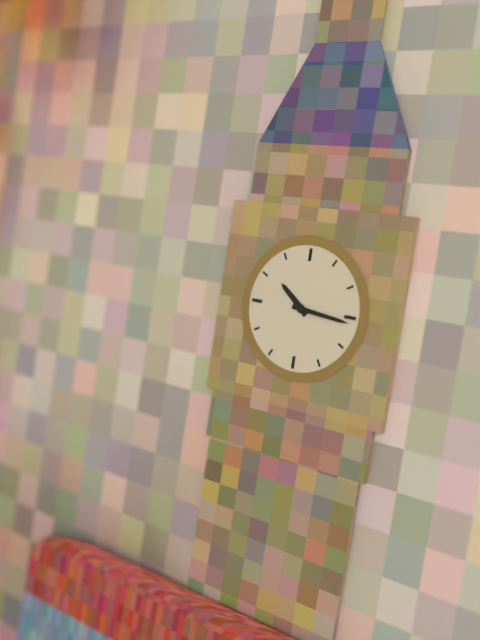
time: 10:16
